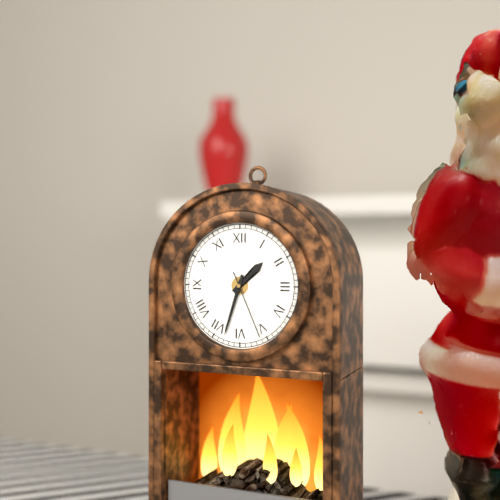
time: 1:33:26
